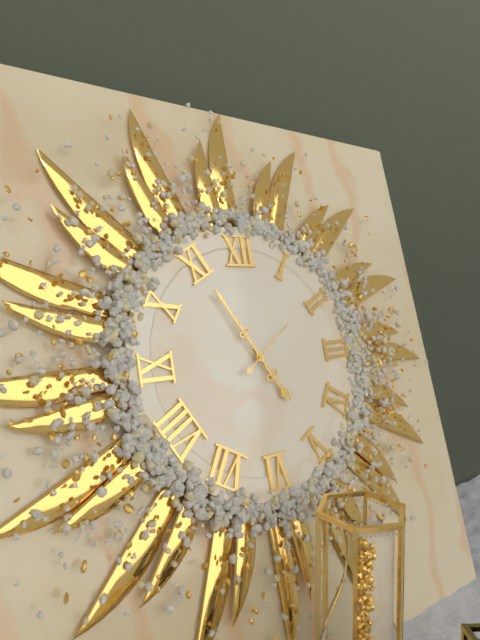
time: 4:55:09
